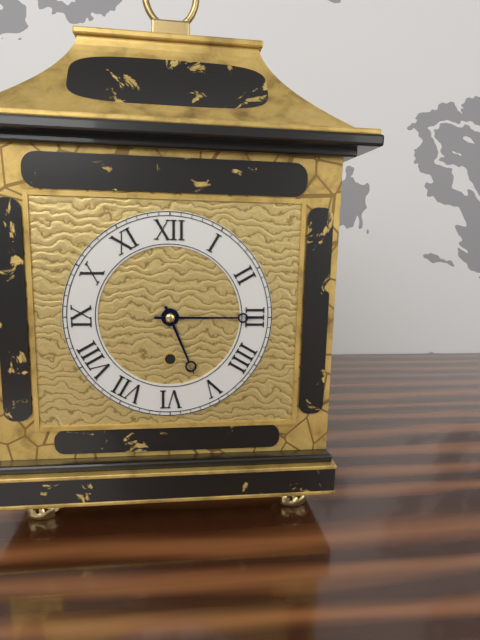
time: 5:15
